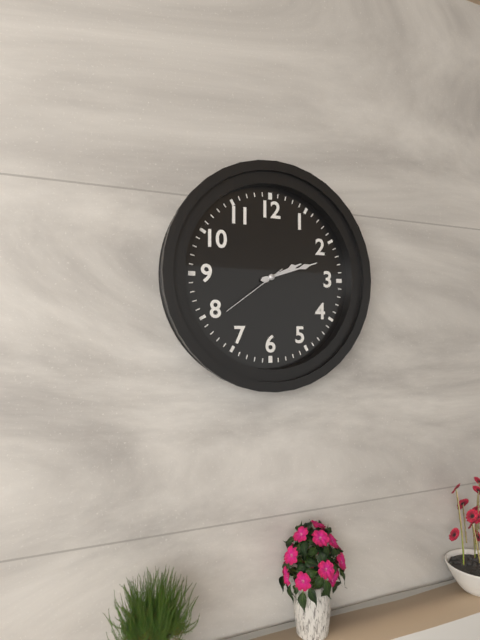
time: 2:12:39
